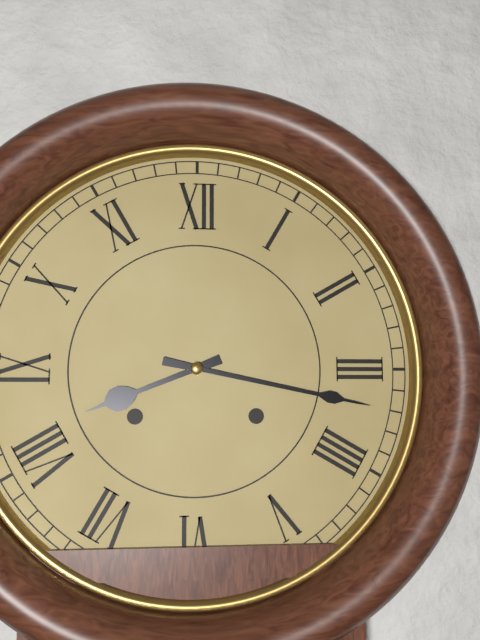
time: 8:17
